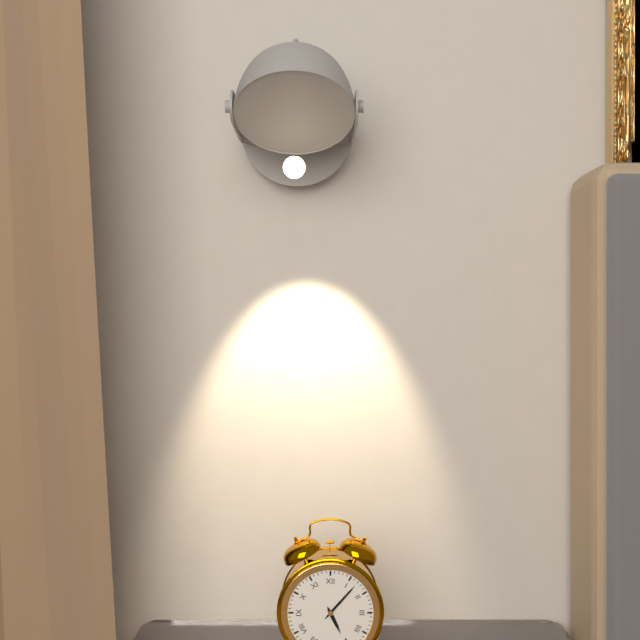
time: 5:07
